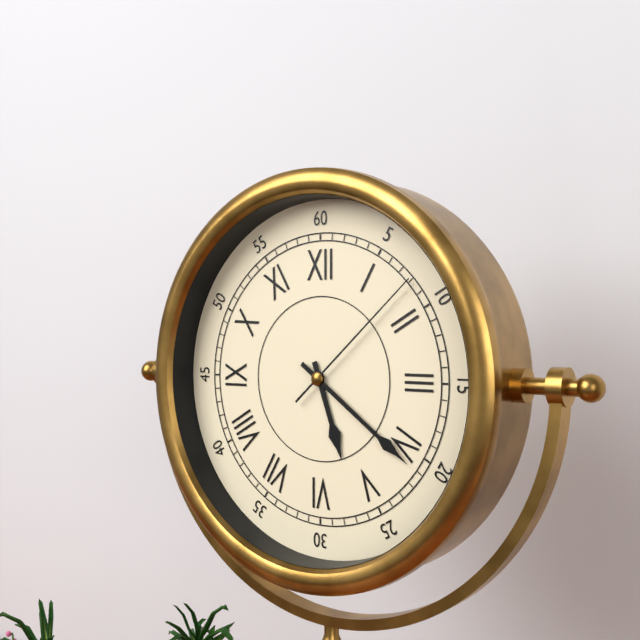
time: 5:21:08
